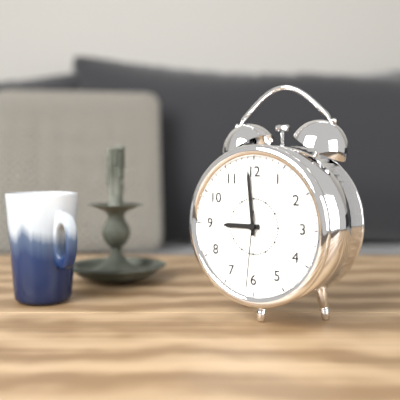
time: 8:59:31
